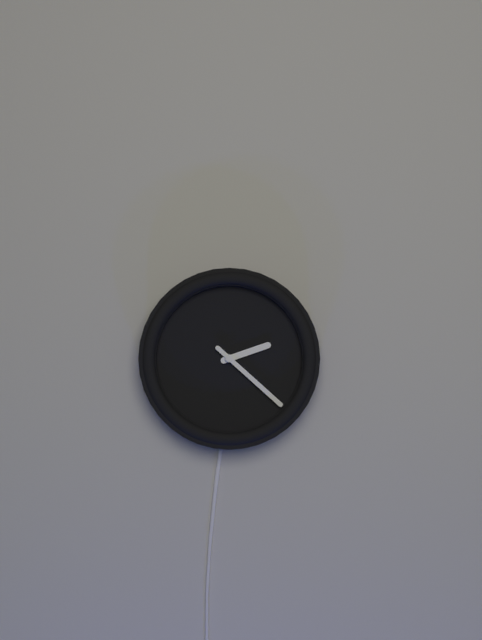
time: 2:22
